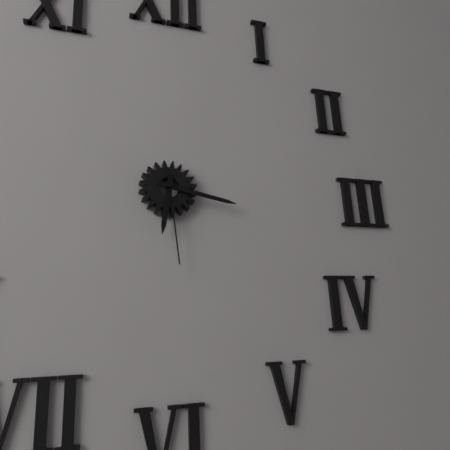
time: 6:17:29
